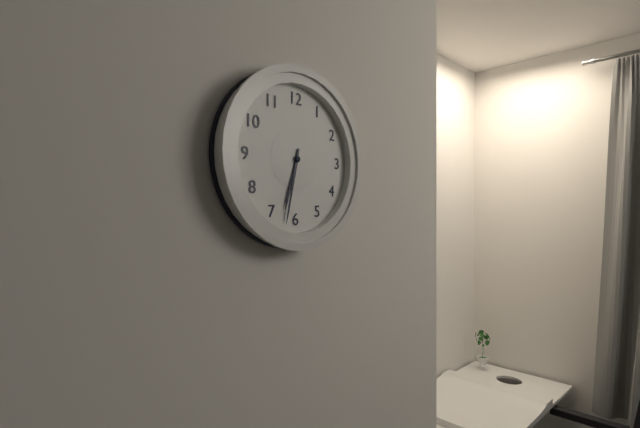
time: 6:32
